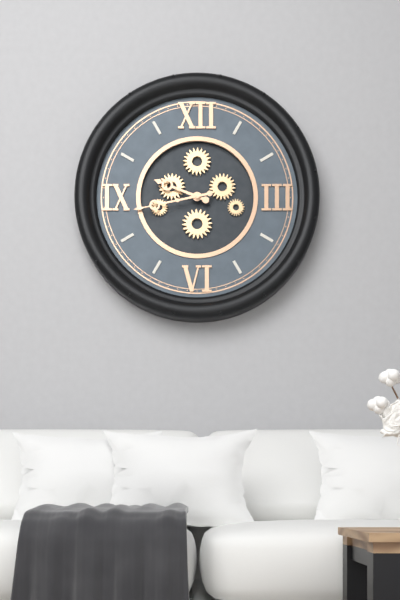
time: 9:43
